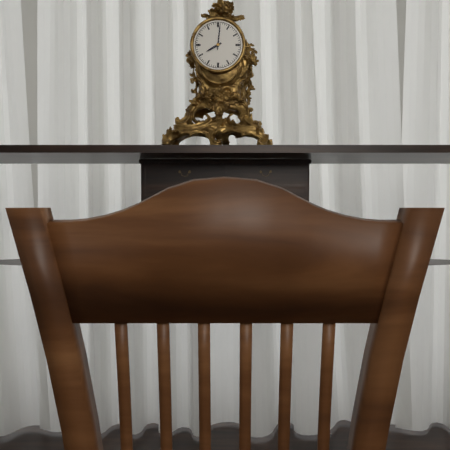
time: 8:01
